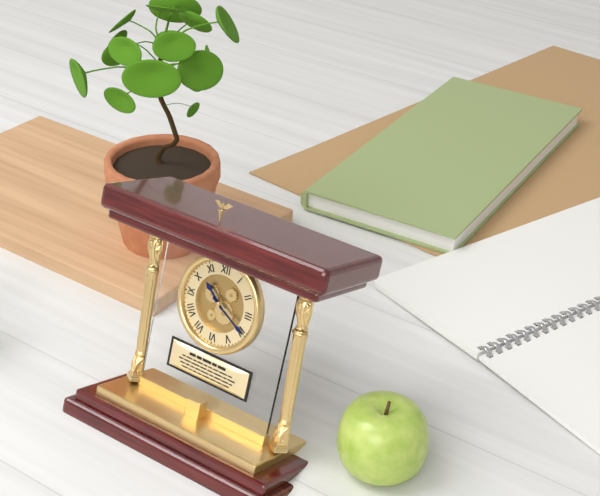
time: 10:20
